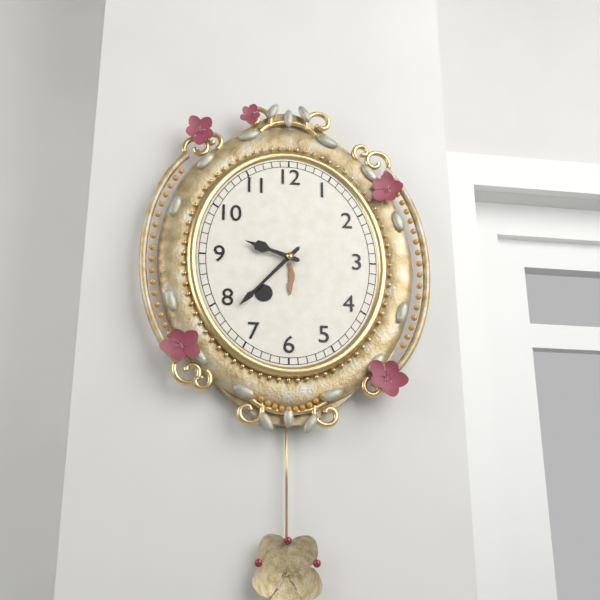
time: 9:37
